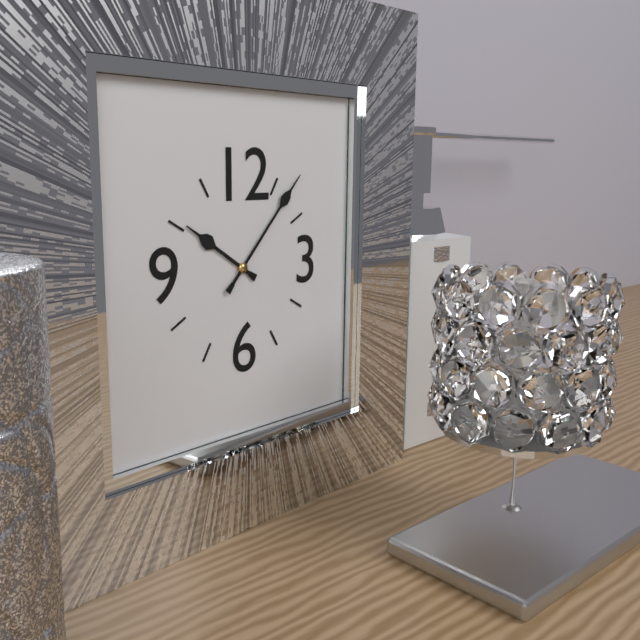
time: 10:07
